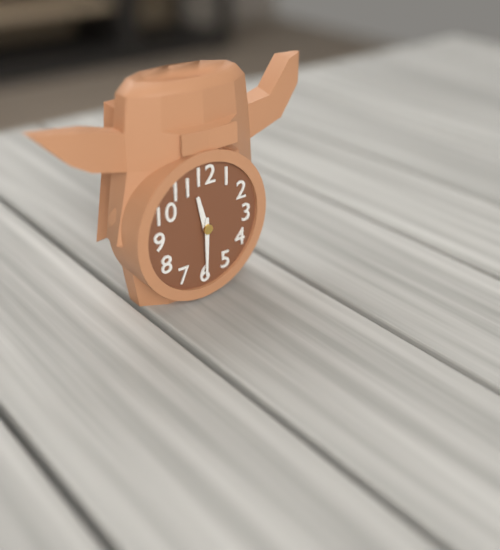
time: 11:30
